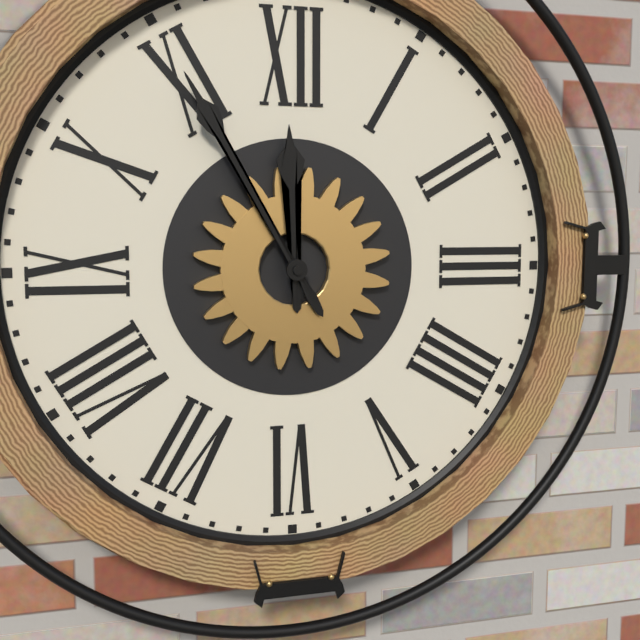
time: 11:55
